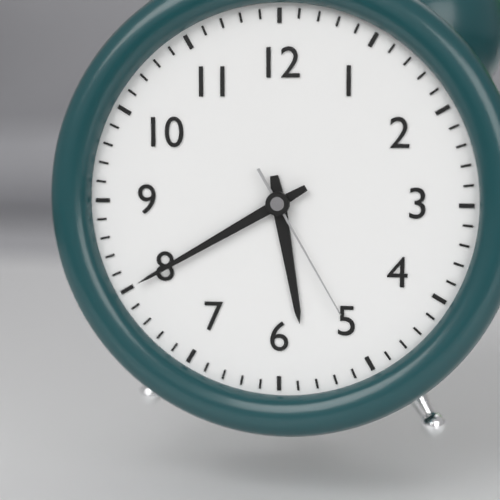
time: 5:40:25
